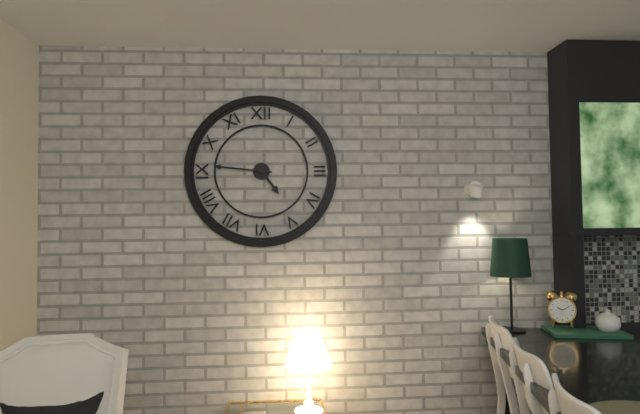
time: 4:46
